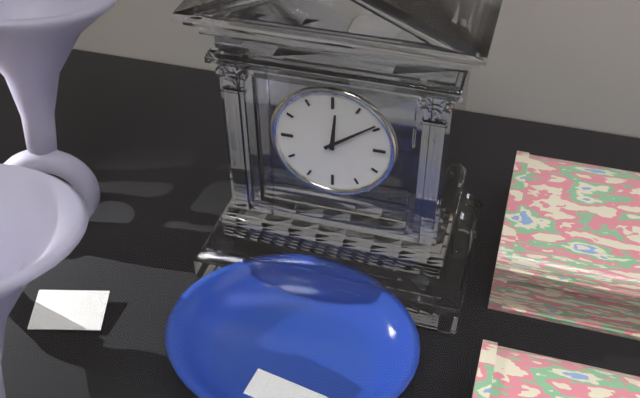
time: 12:09
